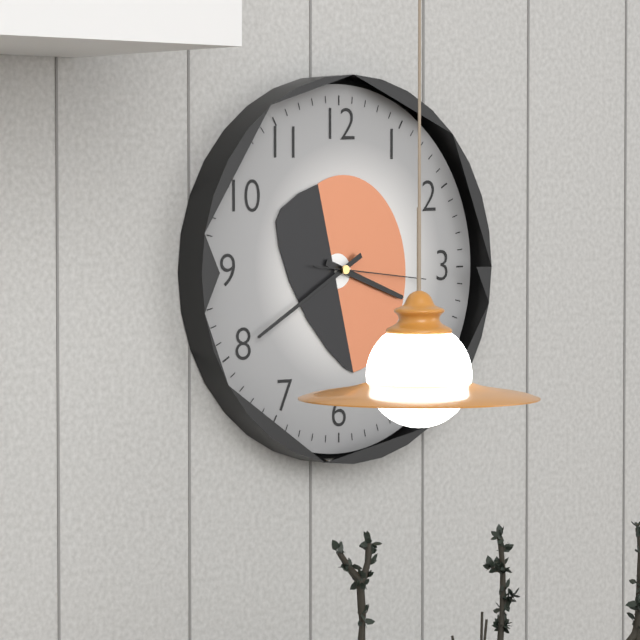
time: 3:40:16
